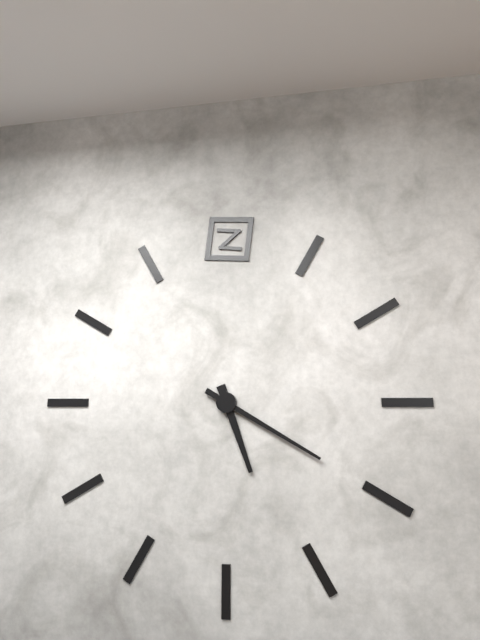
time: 5:20
